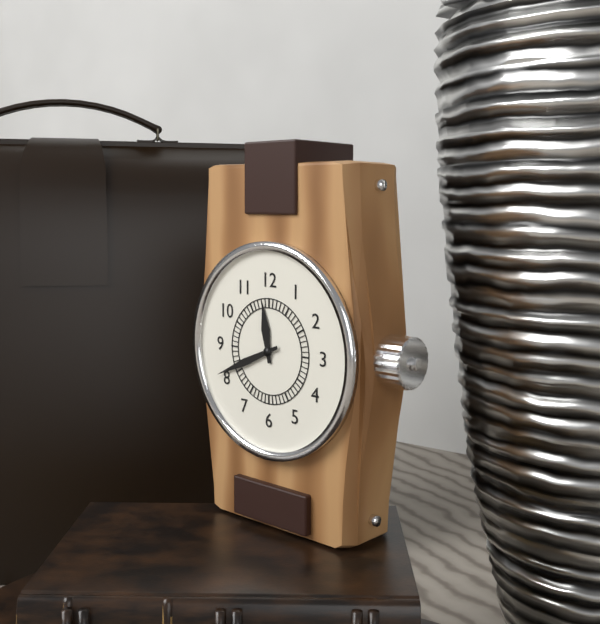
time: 11:41
